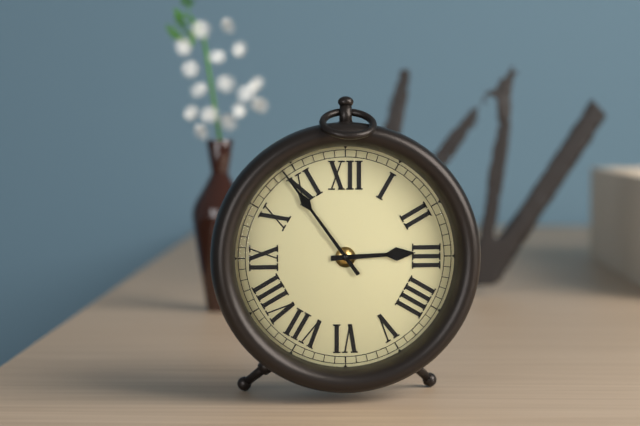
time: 2:54
